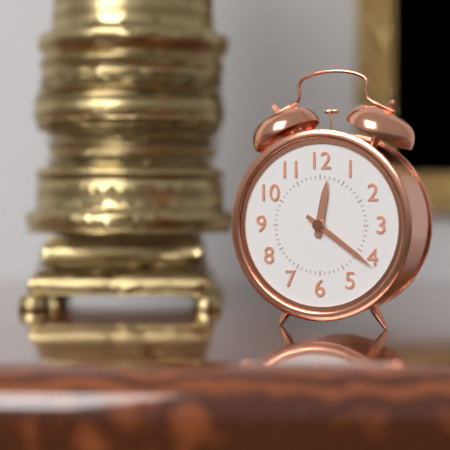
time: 12:21
